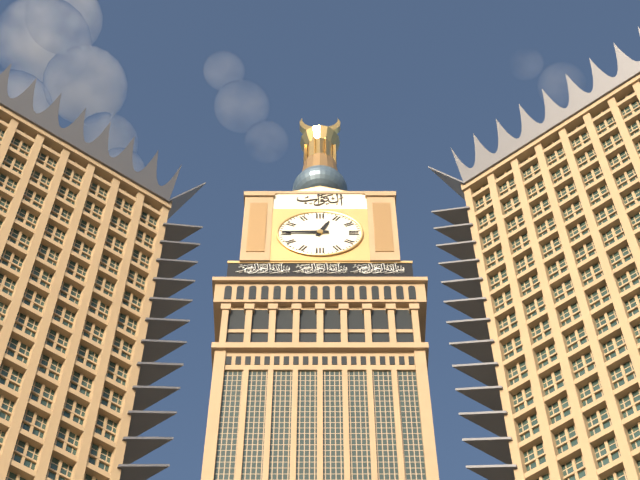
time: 12:45
